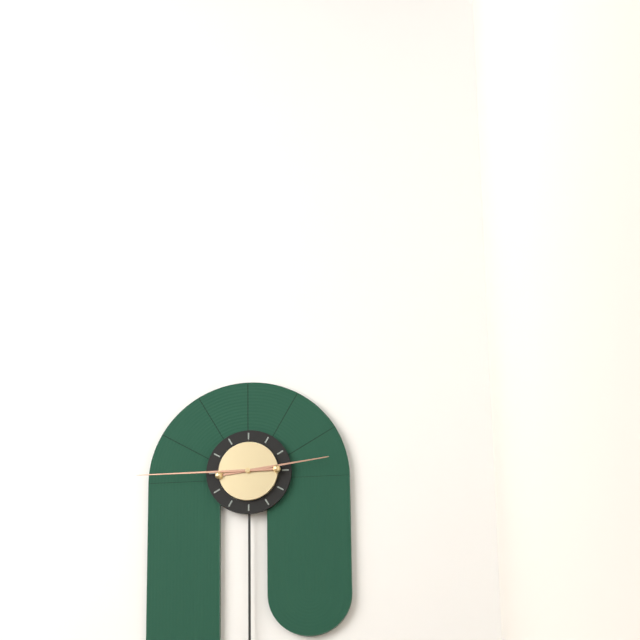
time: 2:45
